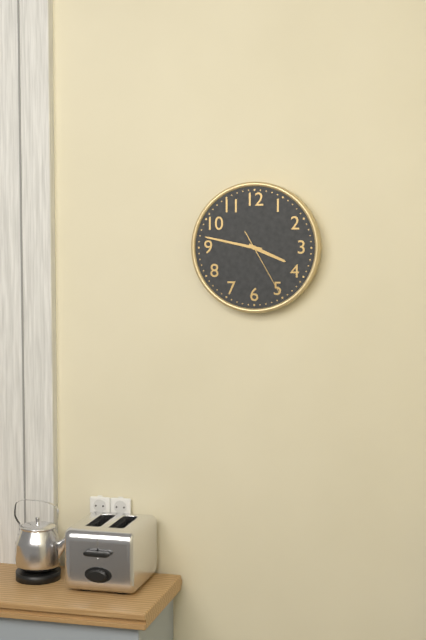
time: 3:47:25
